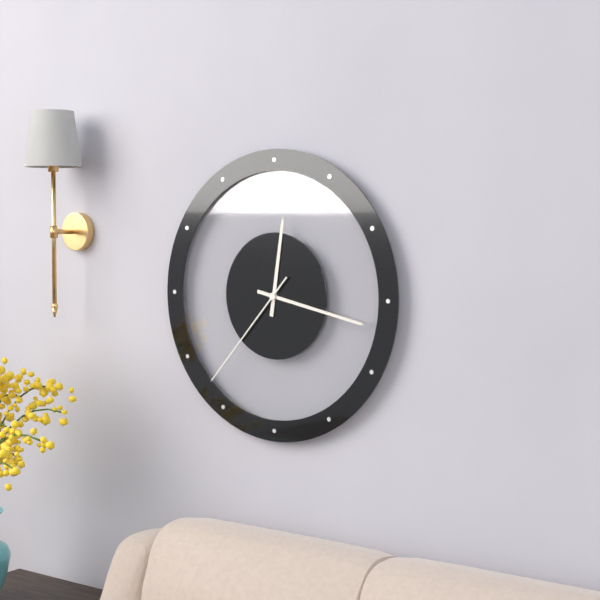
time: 12:17:37
